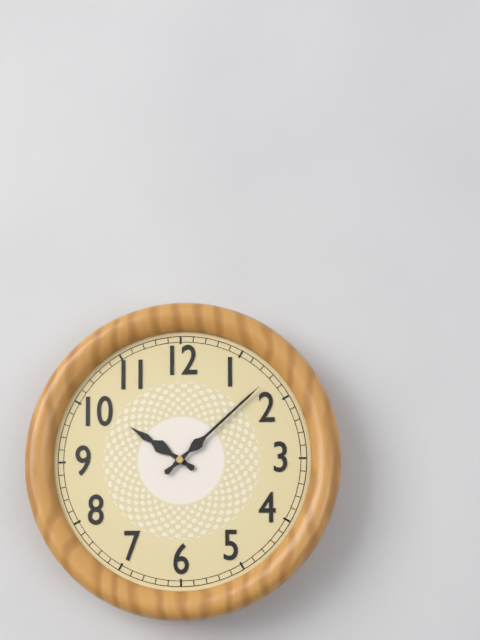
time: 10:08
